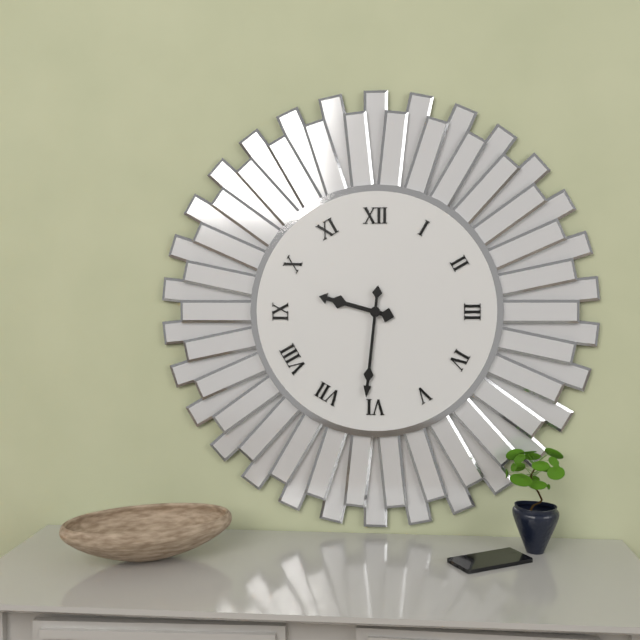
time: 9:31
